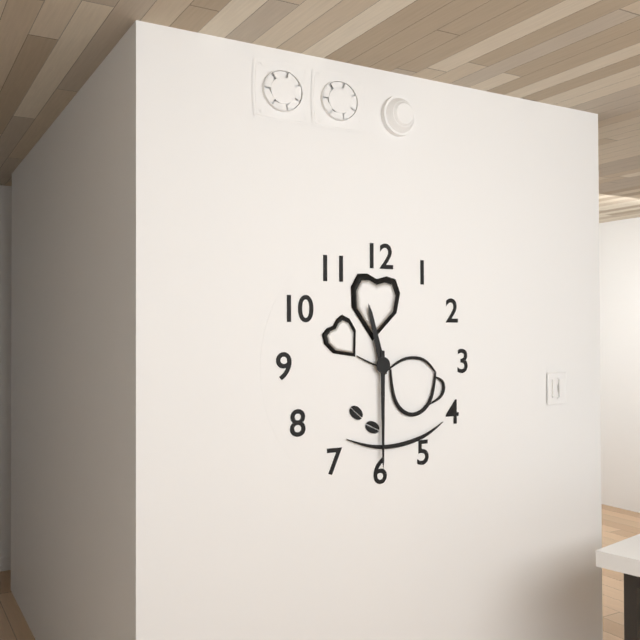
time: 11:30
